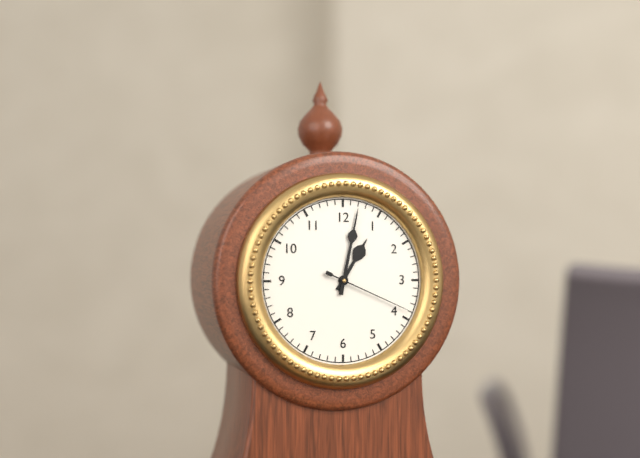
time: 1:02:19
